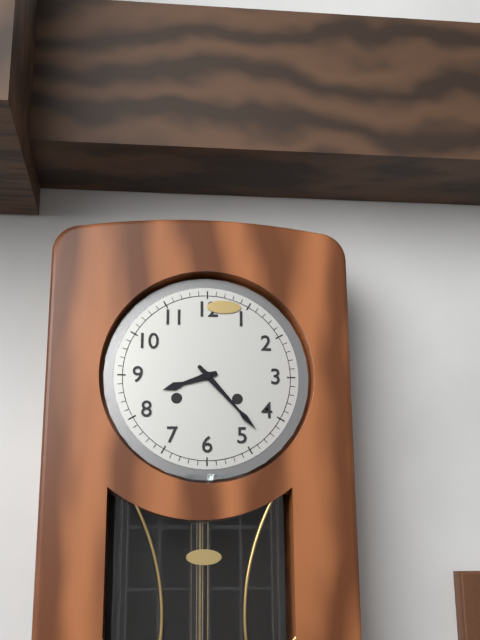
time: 8:23
